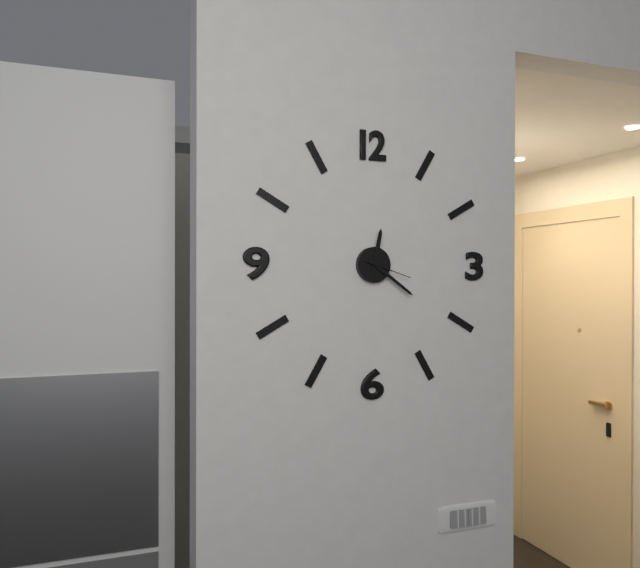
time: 12:21:18
